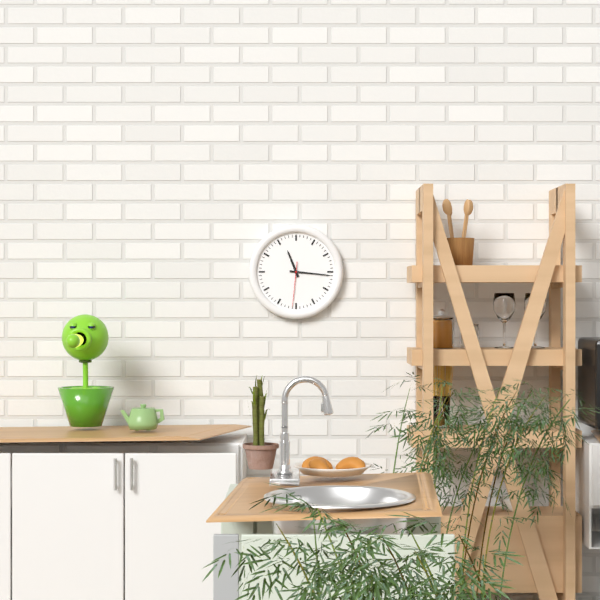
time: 11:16
